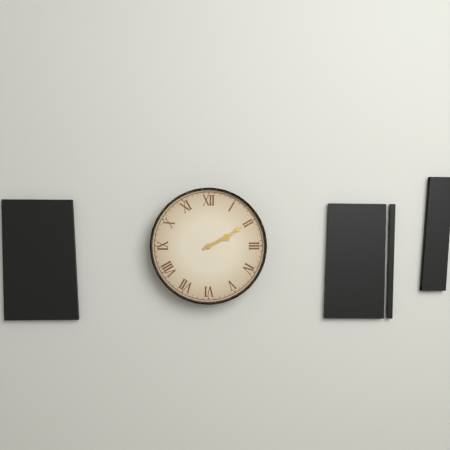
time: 2:10
